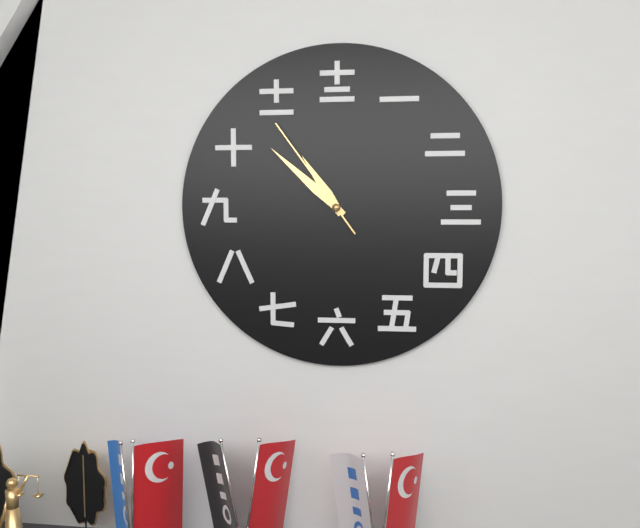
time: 10:52:54
